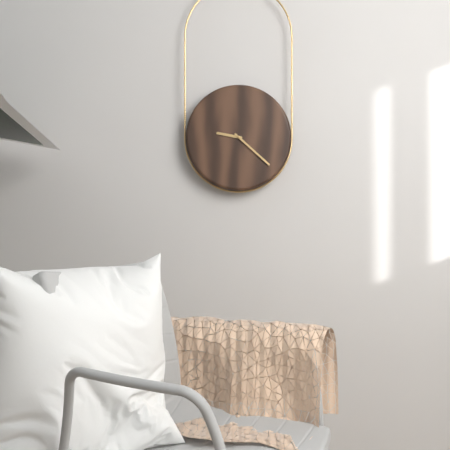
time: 9:22
